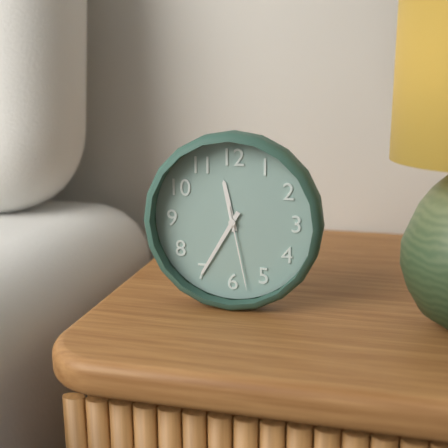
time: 11:35:28
